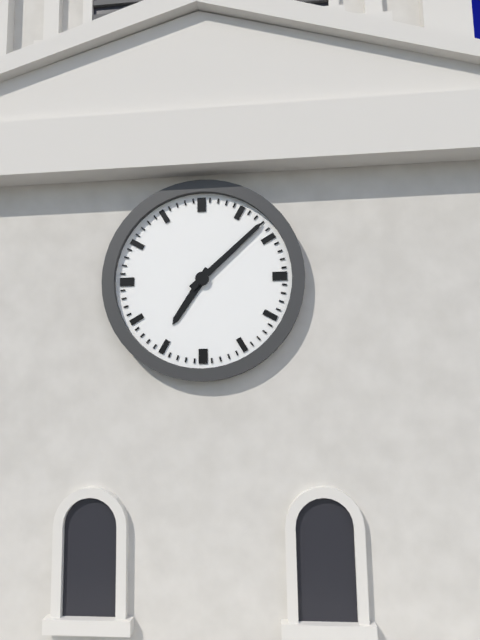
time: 7:08
